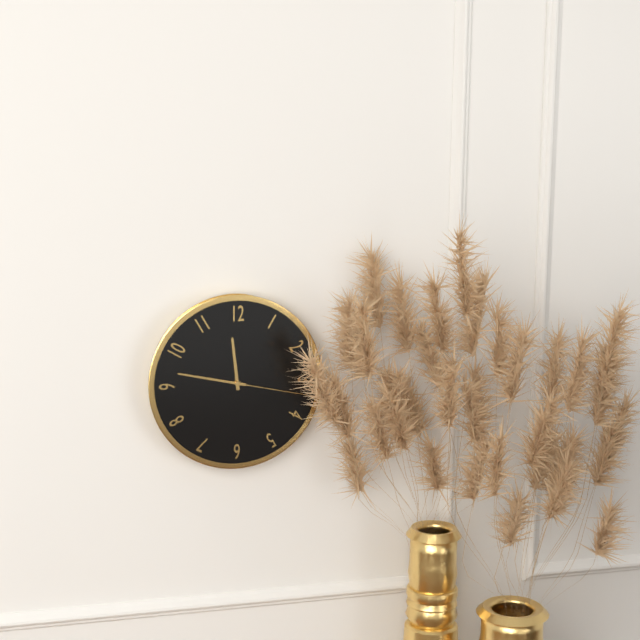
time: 11:47:17
